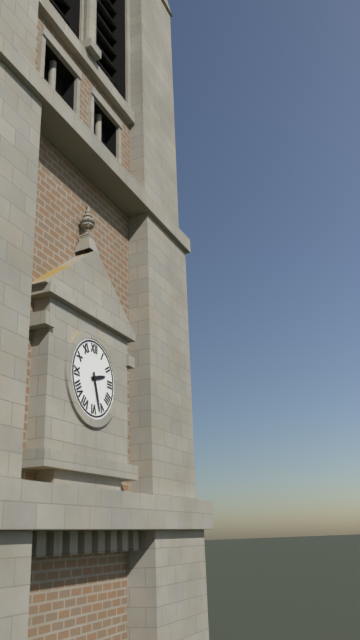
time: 2:27
